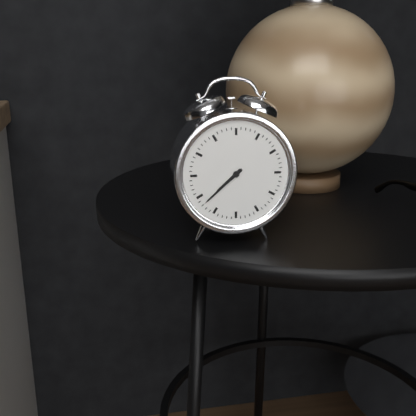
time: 7:38
